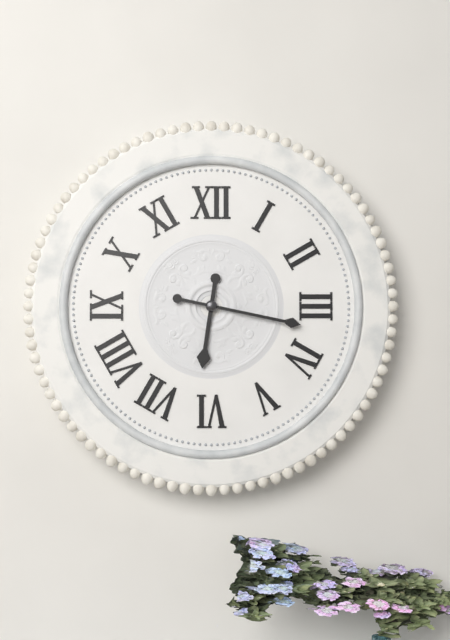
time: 6:17
